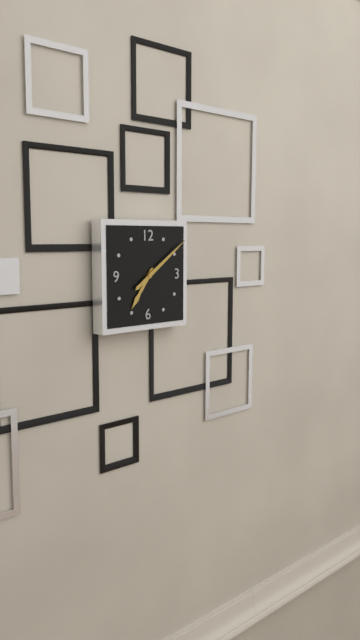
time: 7:09
